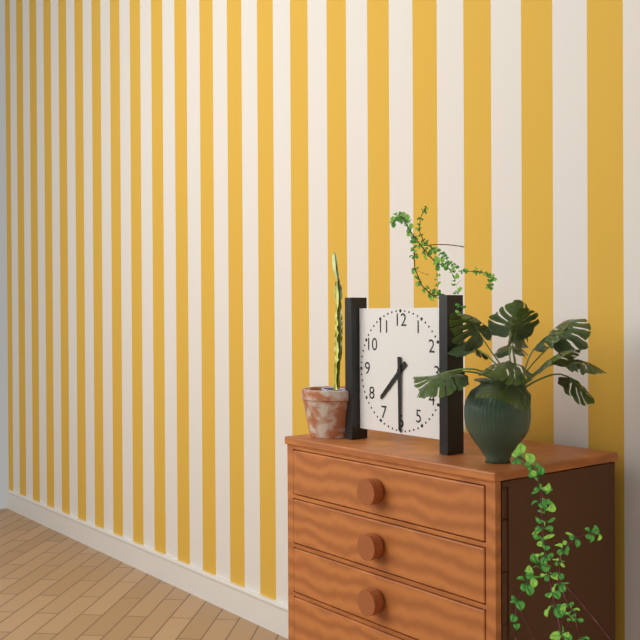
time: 7:30
